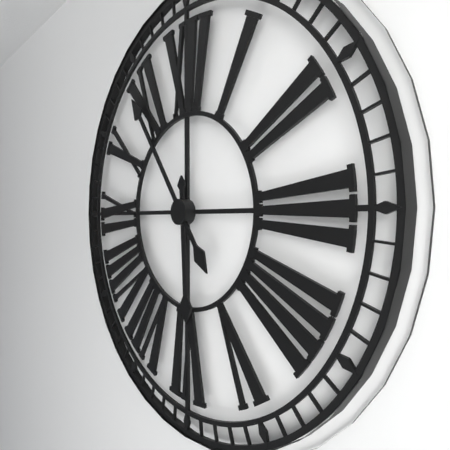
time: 5:54
